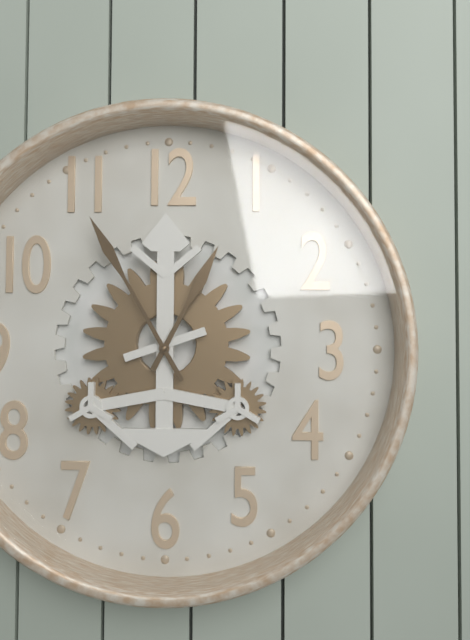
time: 12:55
